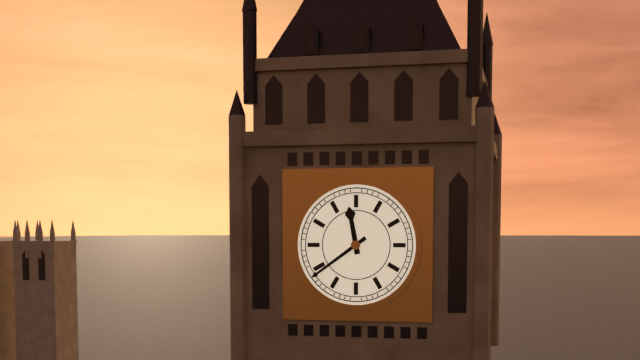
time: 11:39
